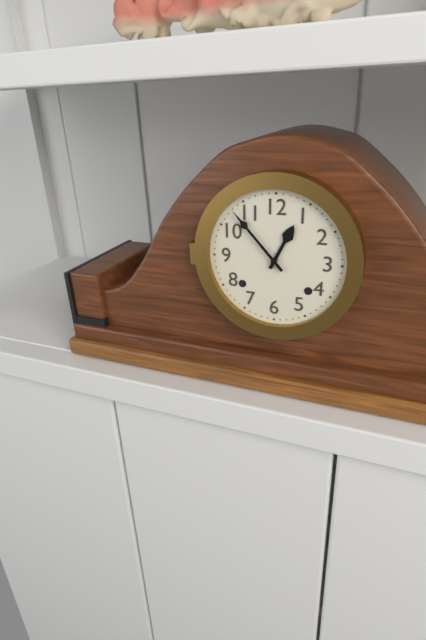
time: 12:53
